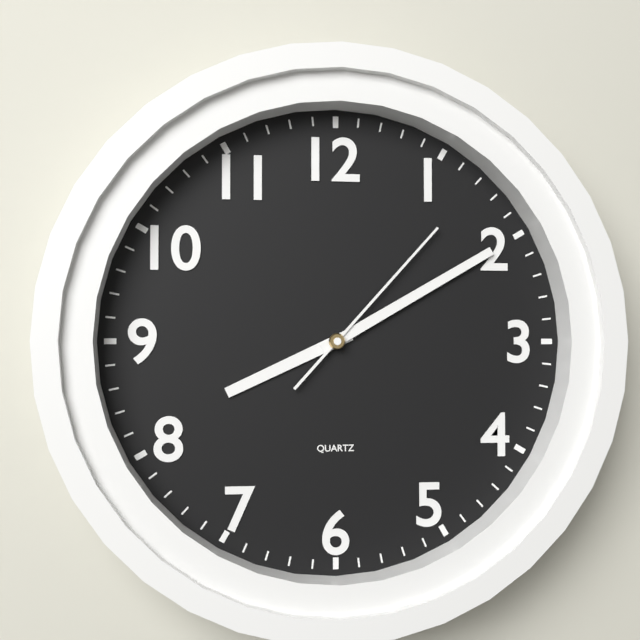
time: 8:10:07
